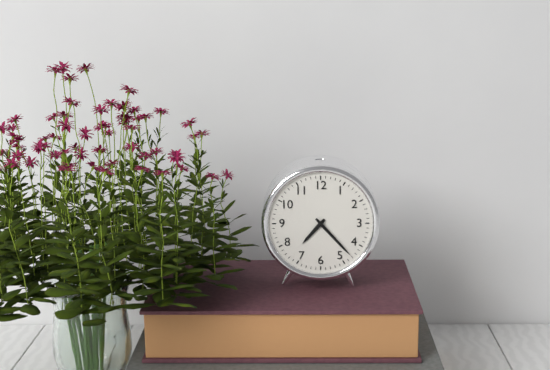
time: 7:23
